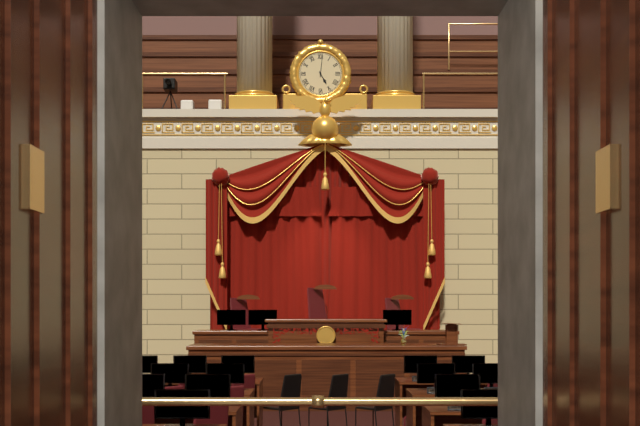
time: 5:01
